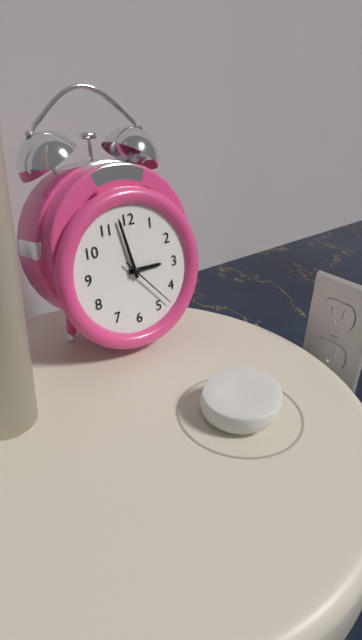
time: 2:58:23
